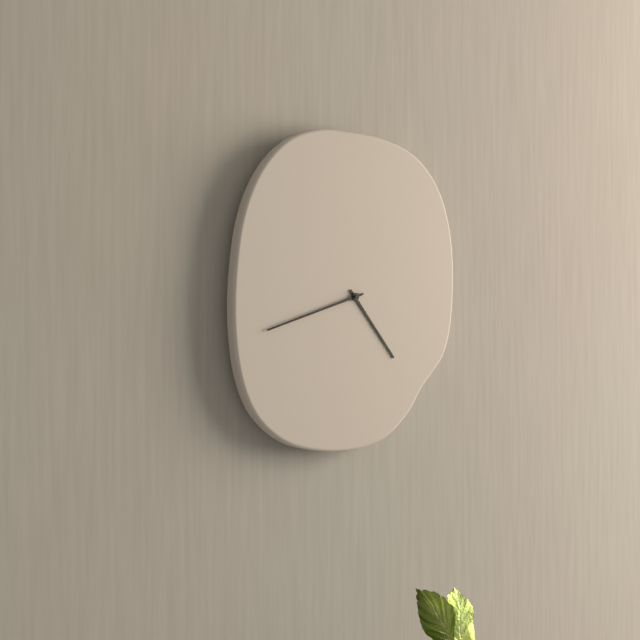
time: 4:42
